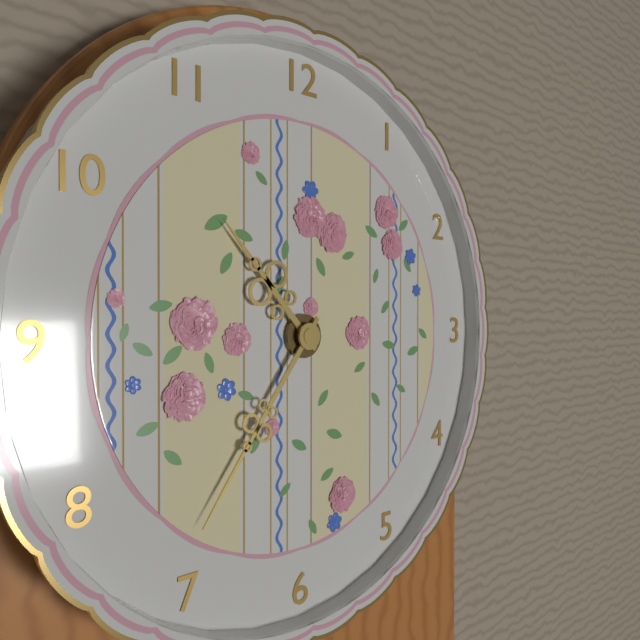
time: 10:36
